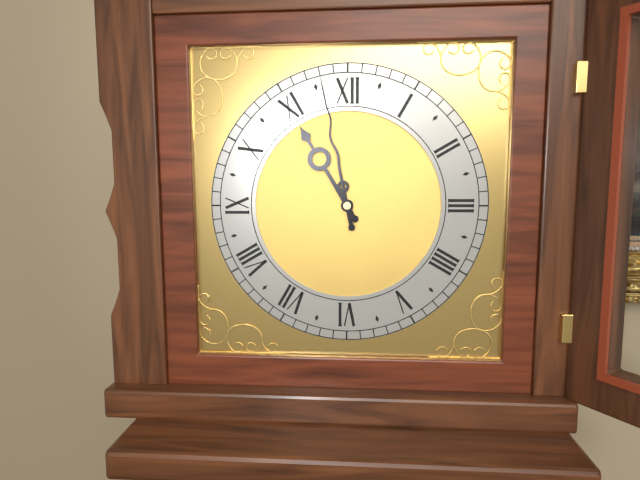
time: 10:58
